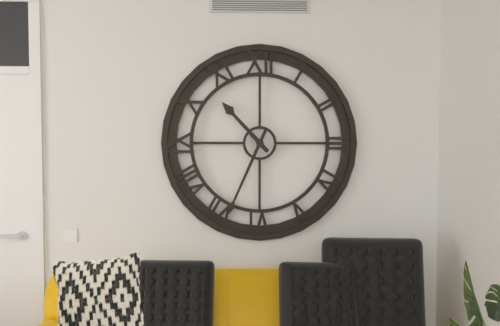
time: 10:34
